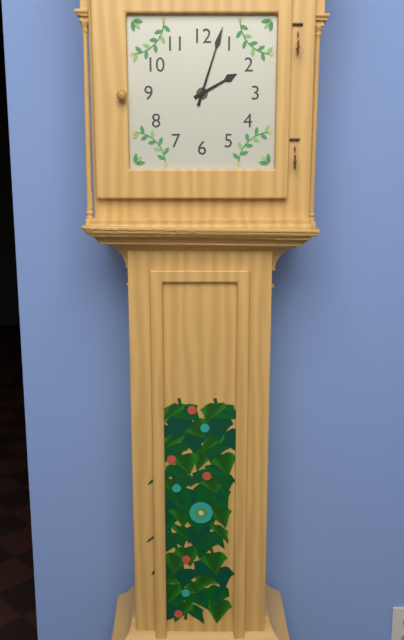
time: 2:03
